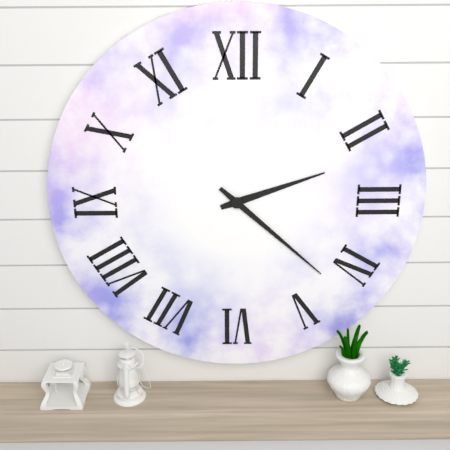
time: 2:22
